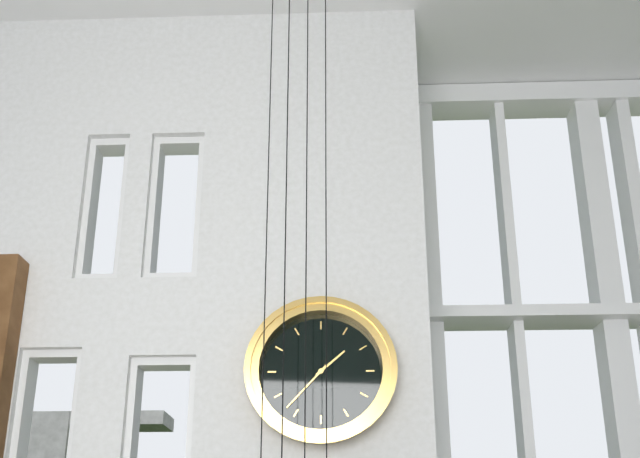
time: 1:37
